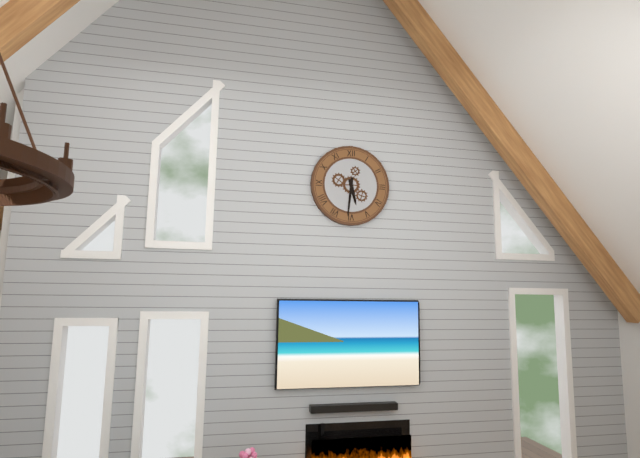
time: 5:31
